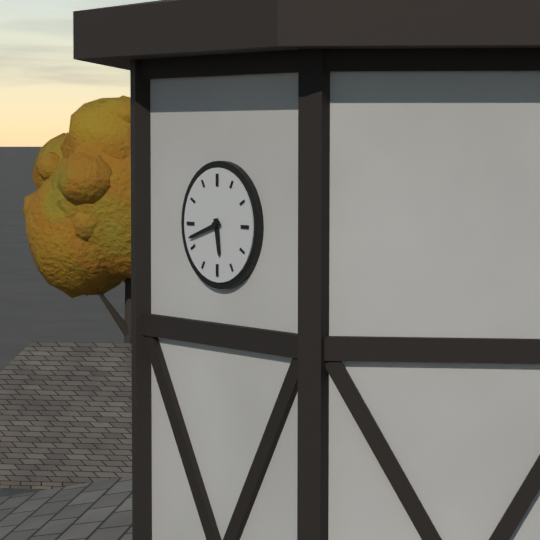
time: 5:42
